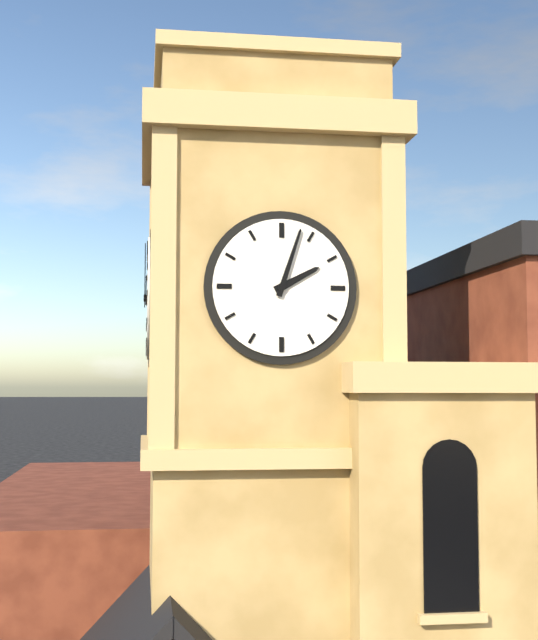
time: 2:03
